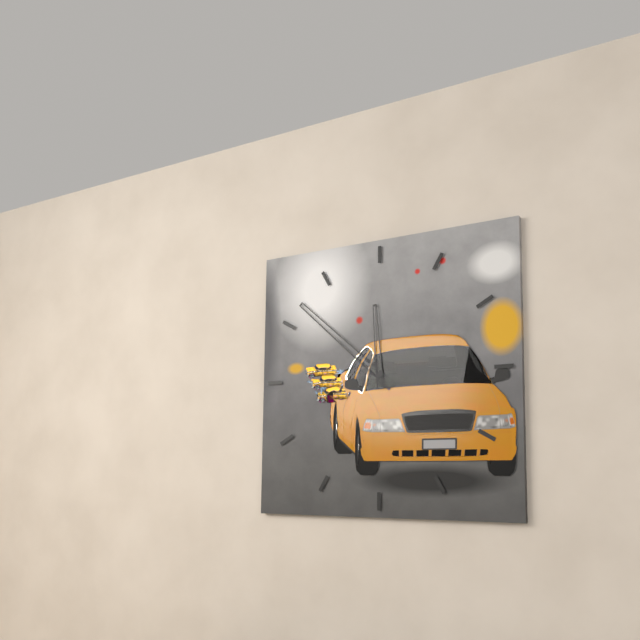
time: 11:52
